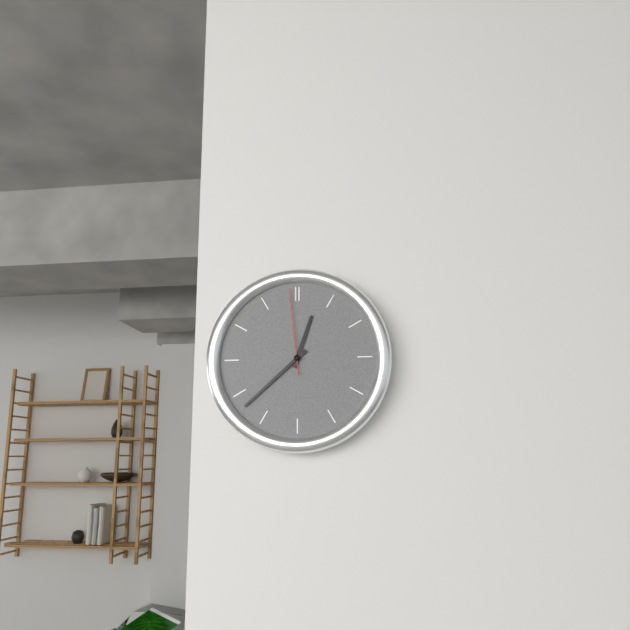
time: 12:38:59
